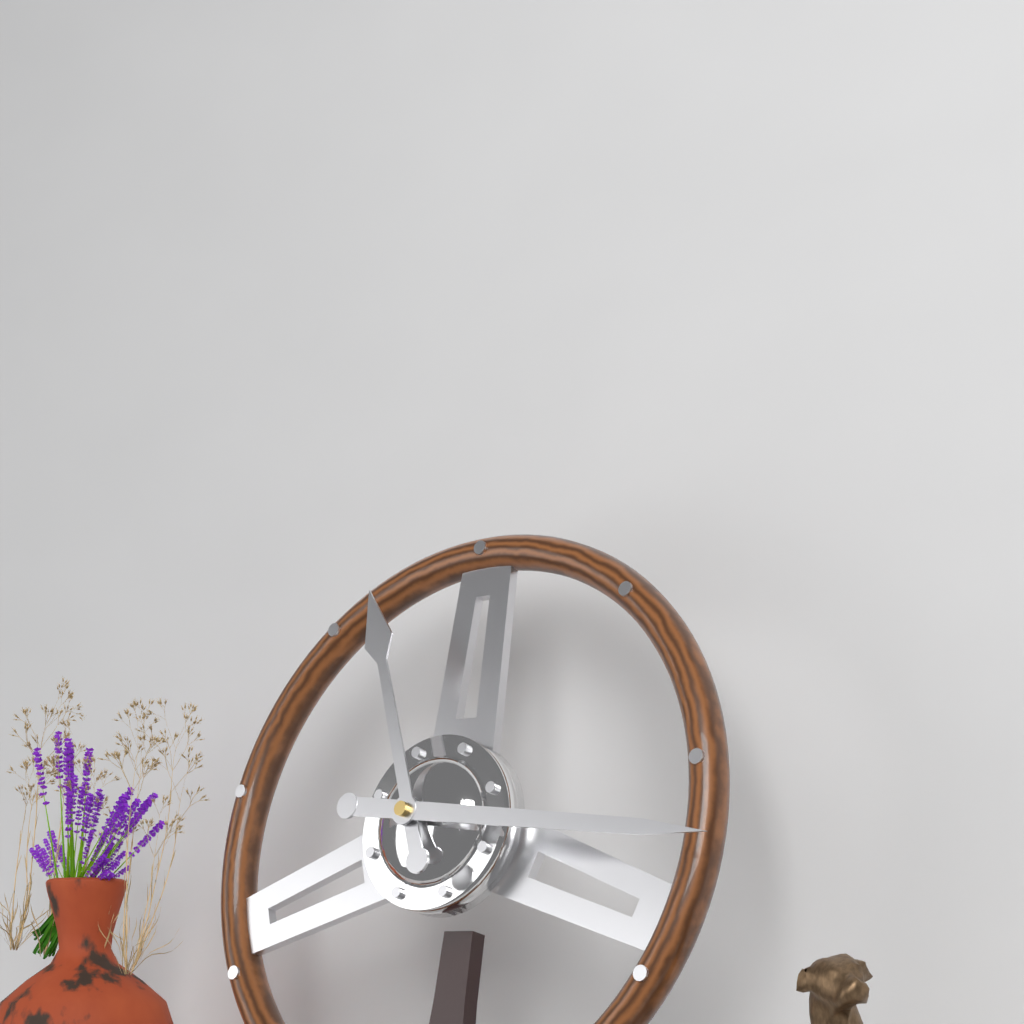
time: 11:16
